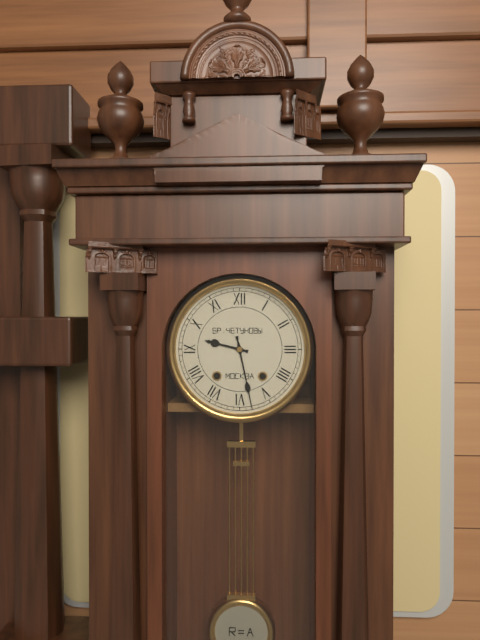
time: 9:28
